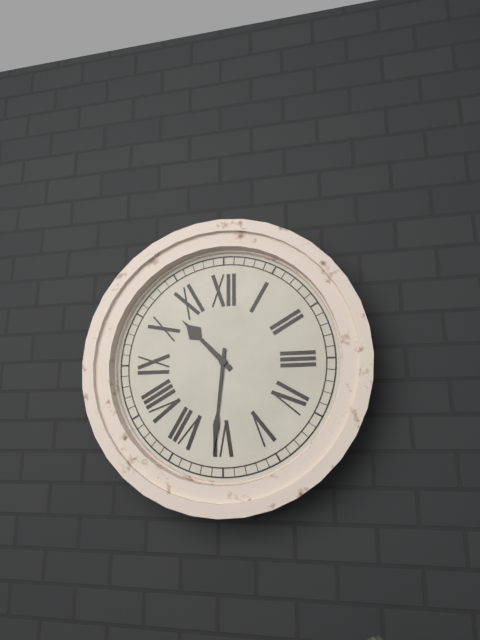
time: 10:31
